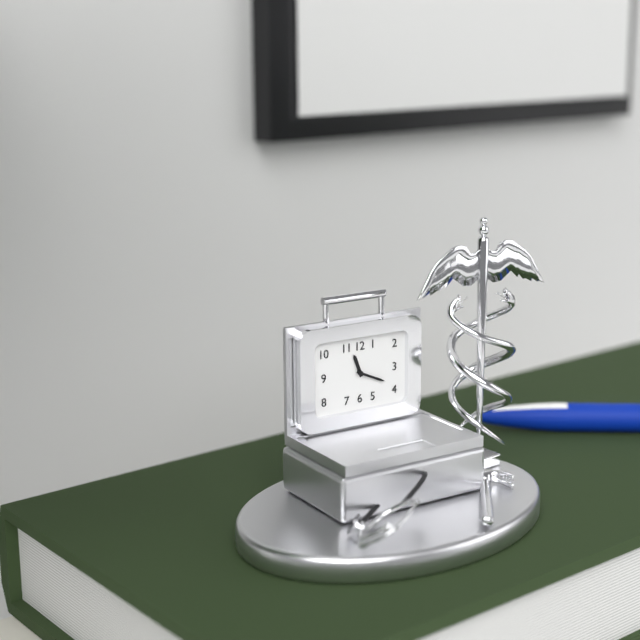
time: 11:19
